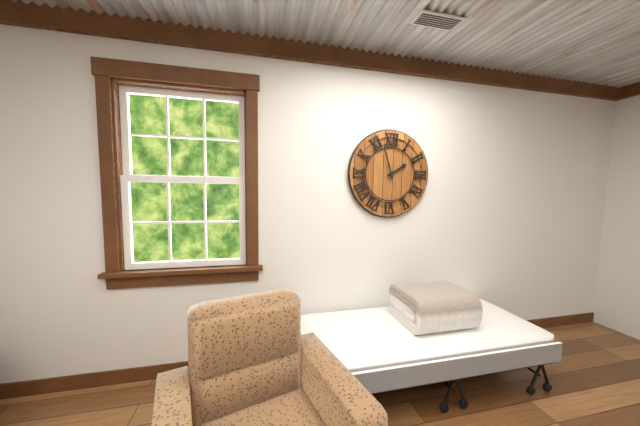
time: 1:57
